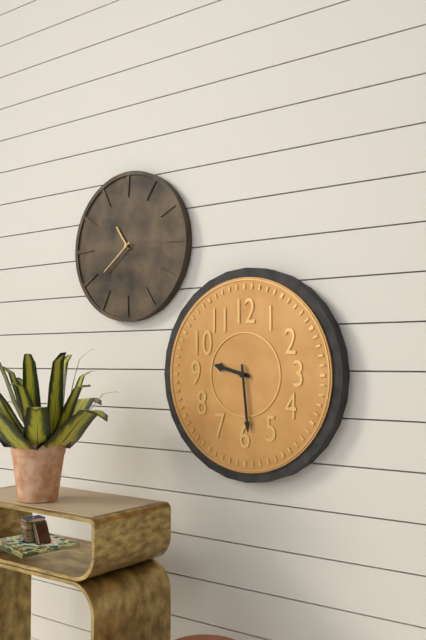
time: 9:29
